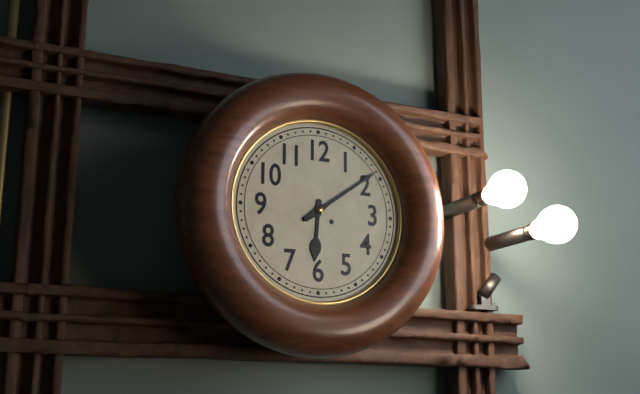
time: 6:09
